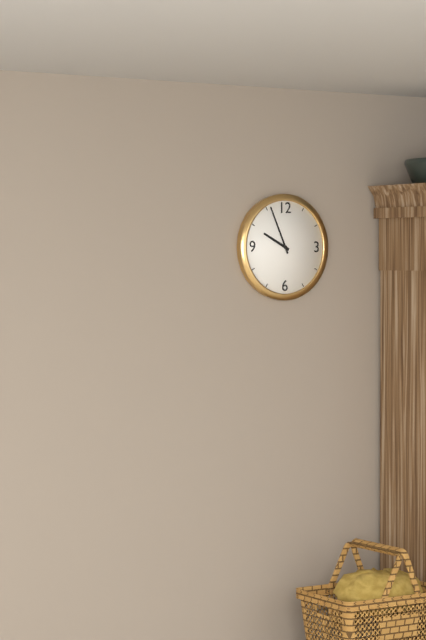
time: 9:56
